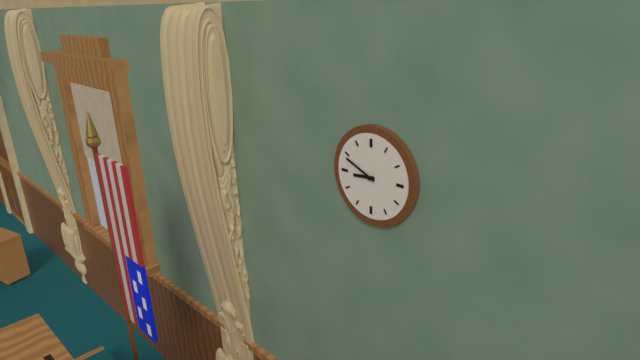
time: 8:49
